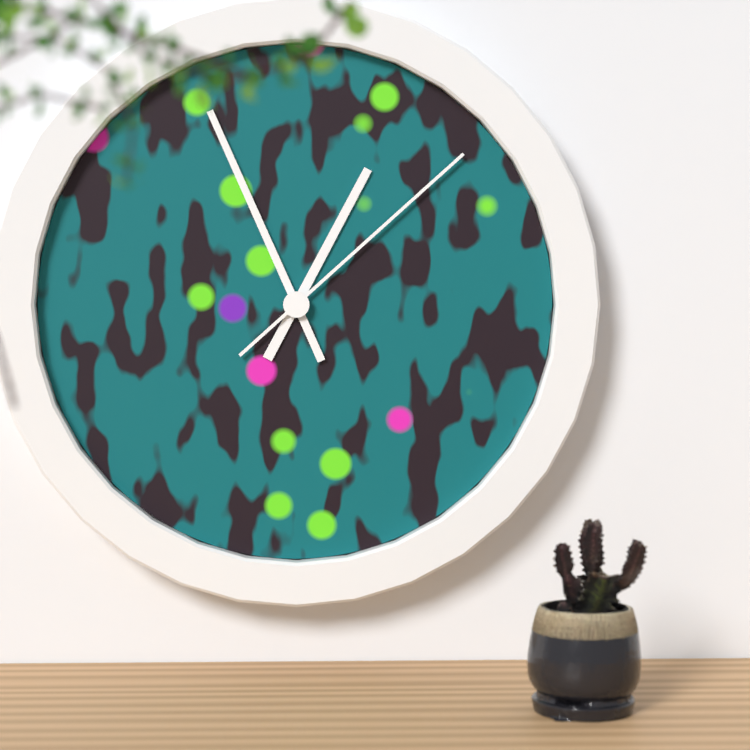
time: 12:56:08
